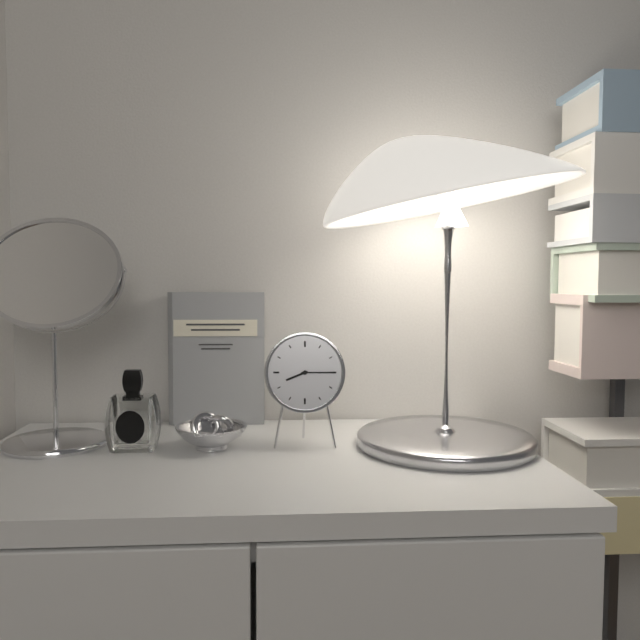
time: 8:15
